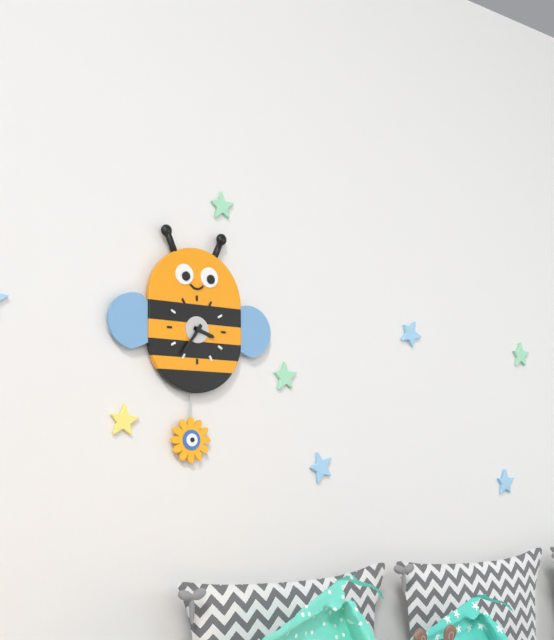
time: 3:36
